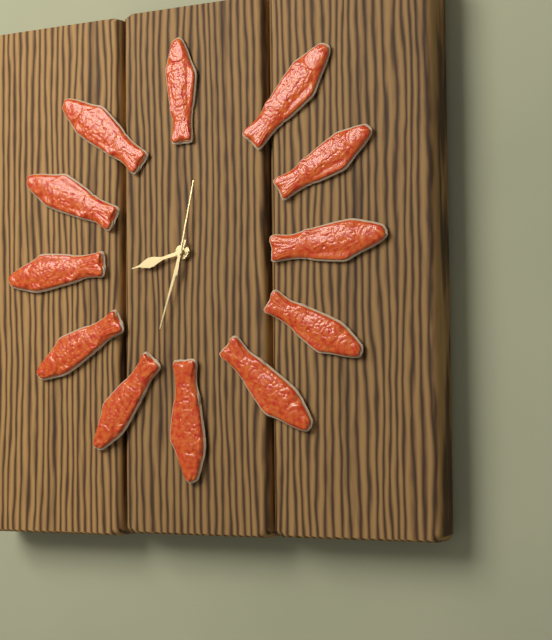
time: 8:33:02
